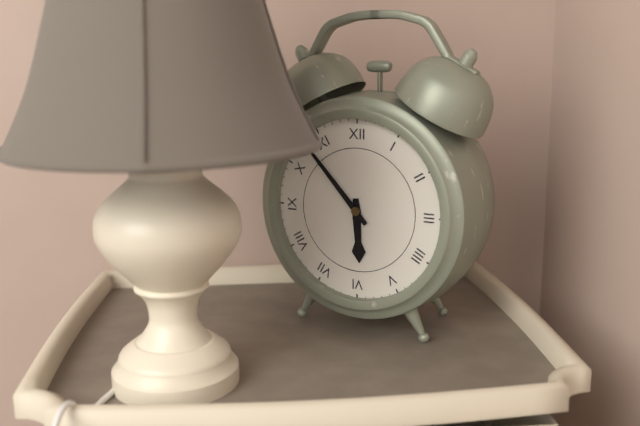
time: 5:53
